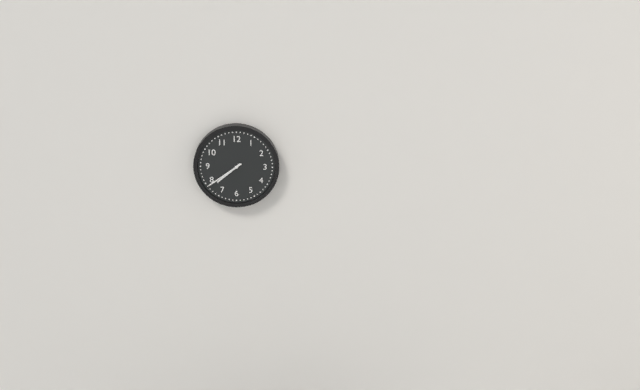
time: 7:39
